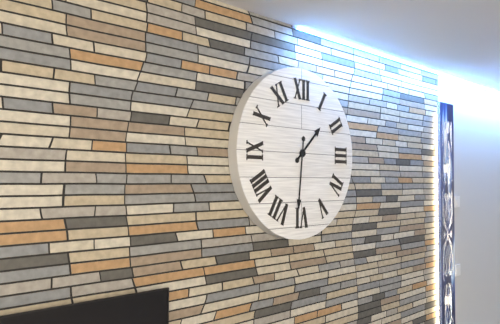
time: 1:31
